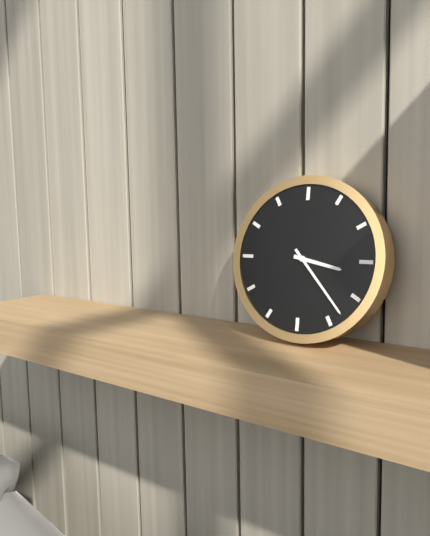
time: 3:23
